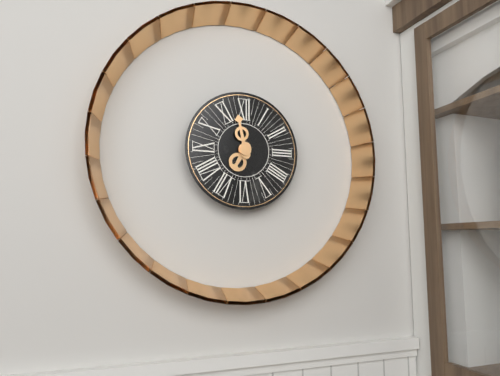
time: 6:58
